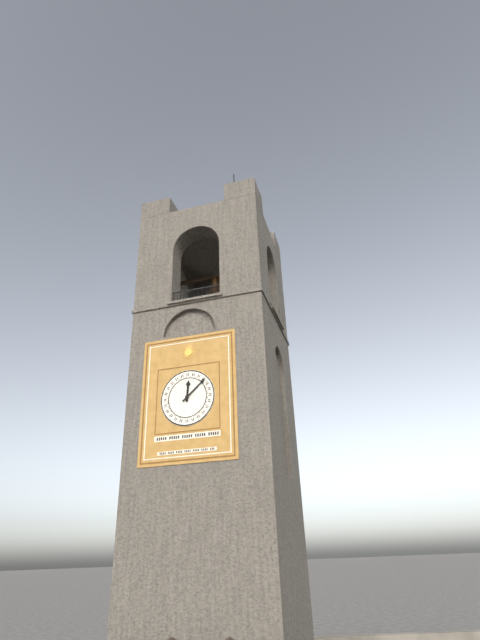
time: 12:08
